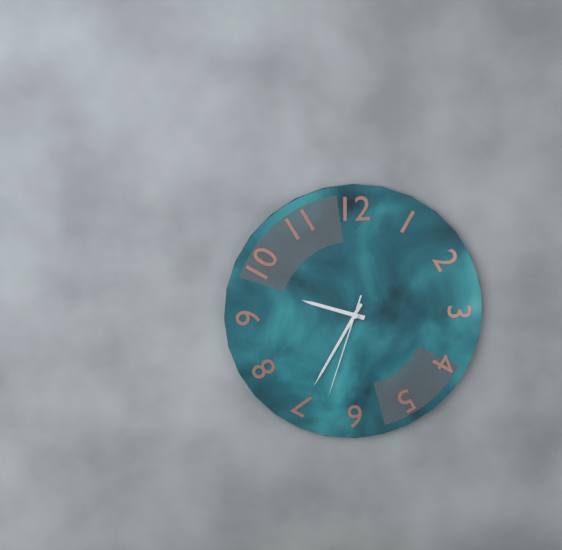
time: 9:35:33
